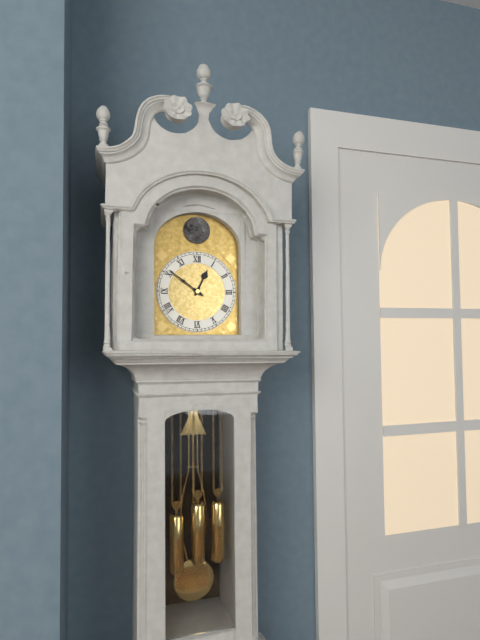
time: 12:51
